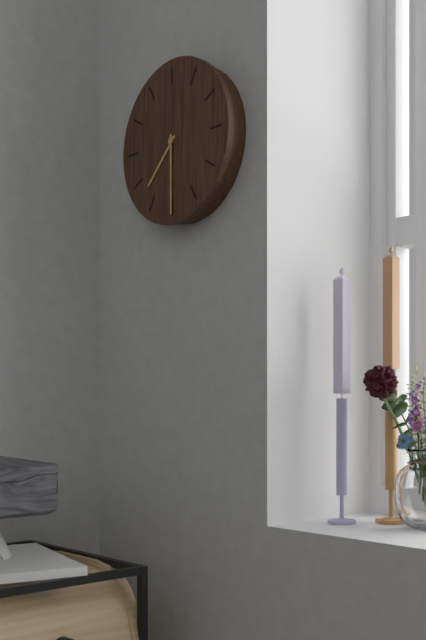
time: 7:30
